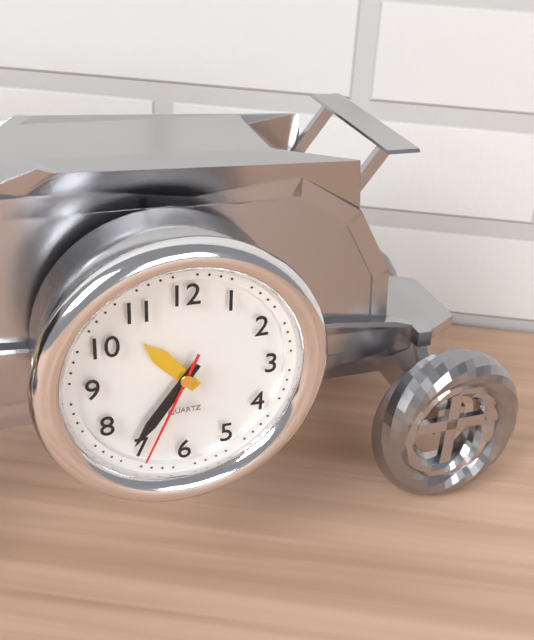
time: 10:36:34
